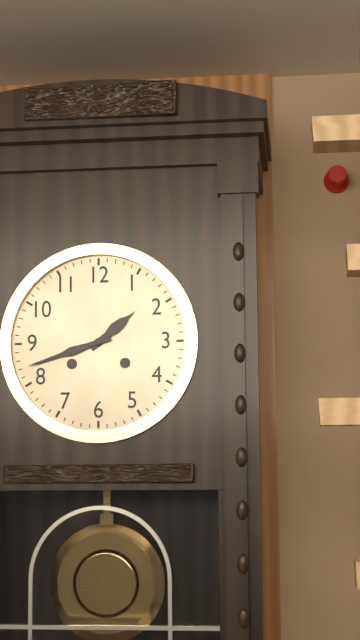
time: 1:42
